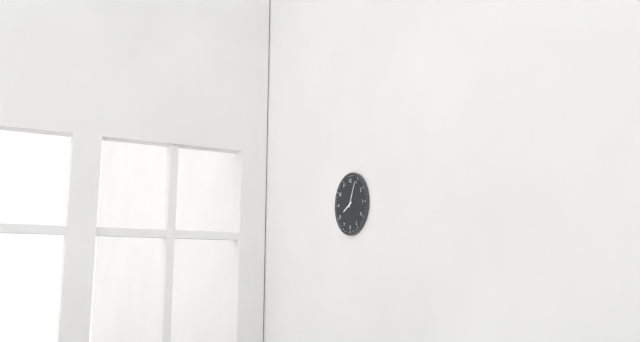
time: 8:04
